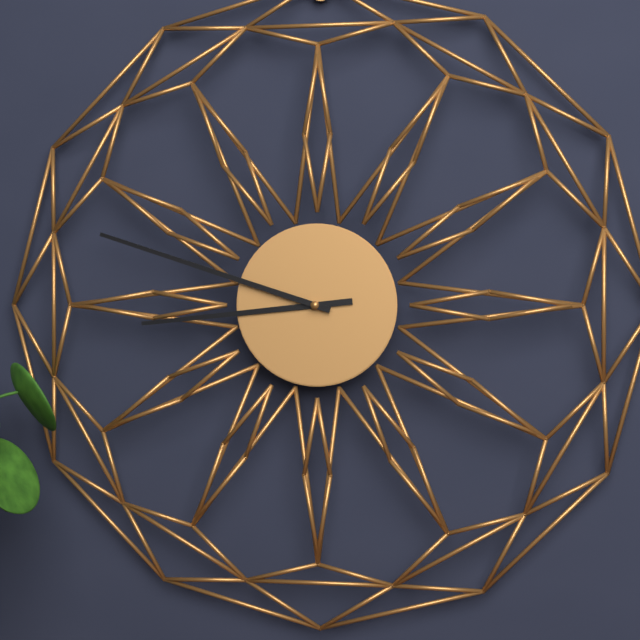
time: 8:48
